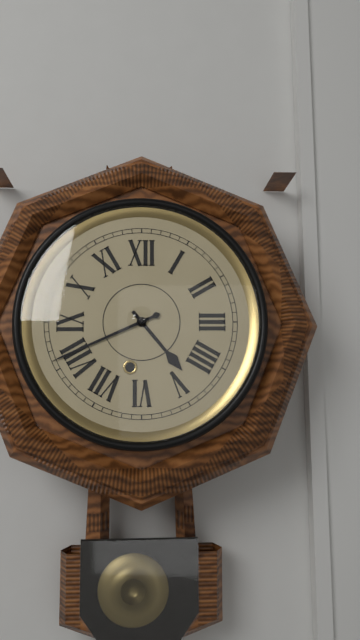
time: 4:41
